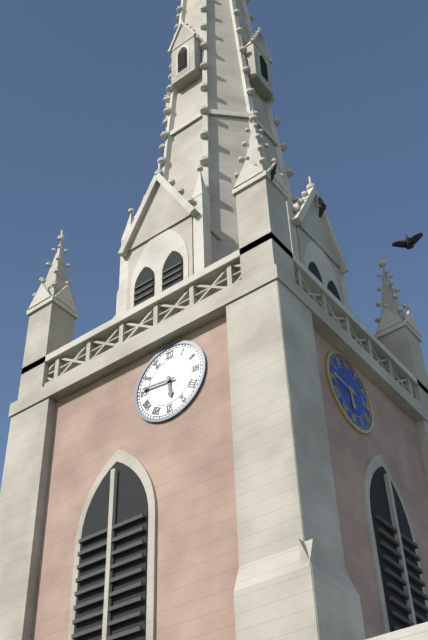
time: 5:46
